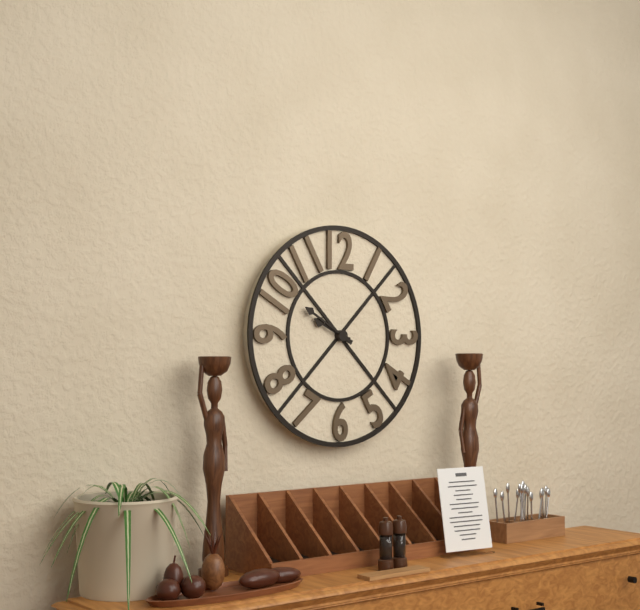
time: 9:50
